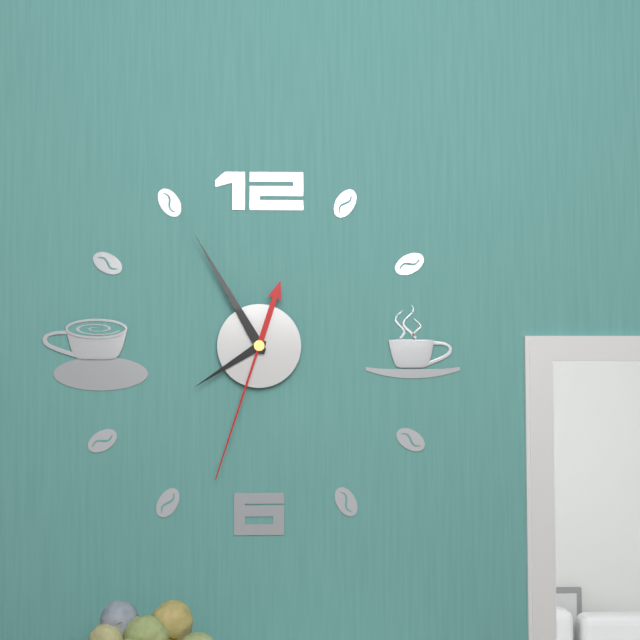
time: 7:55:33
